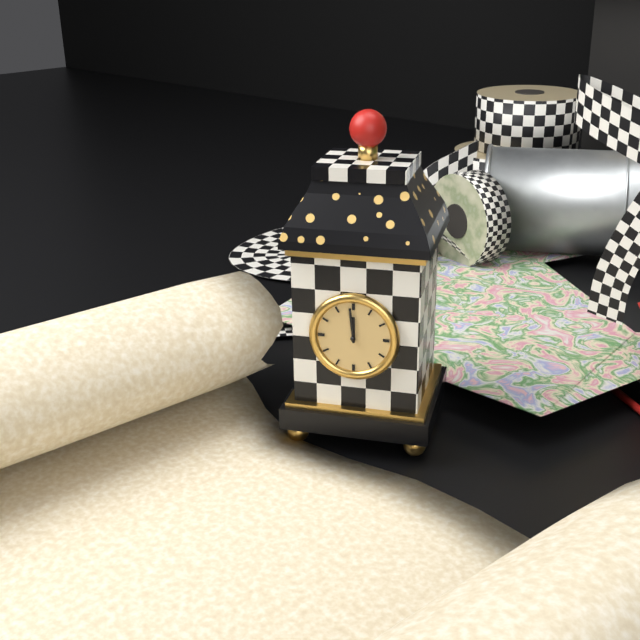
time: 11:59
